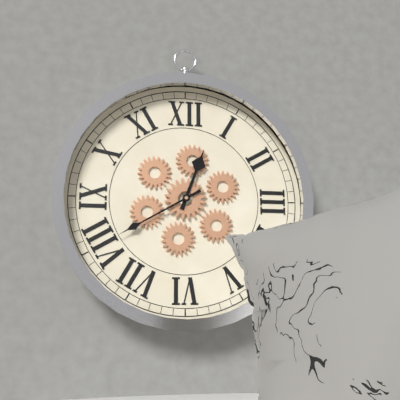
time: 12:40
